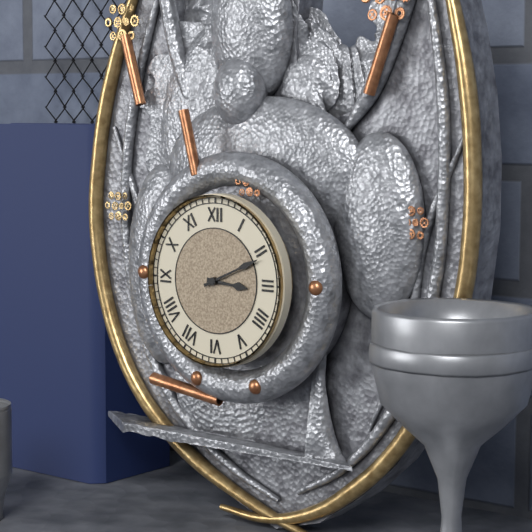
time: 3:11
